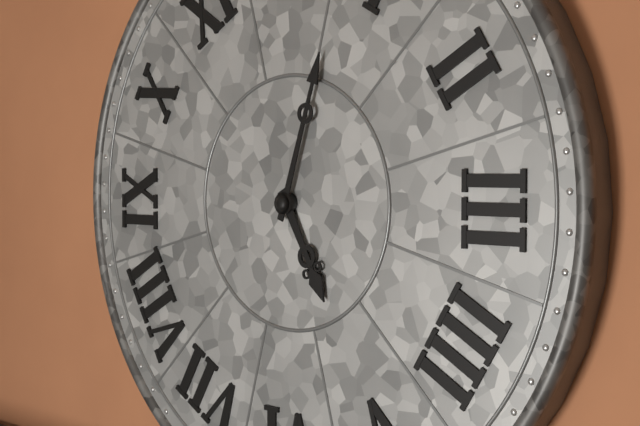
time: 5:03
